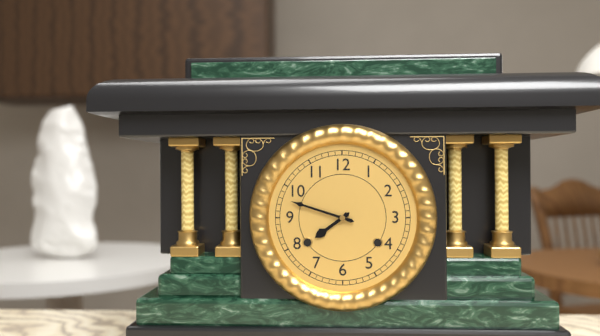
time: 7:48
